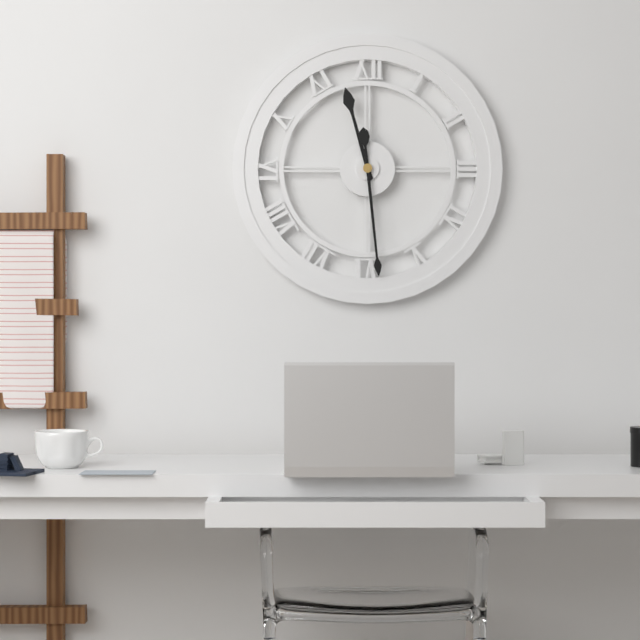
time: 11:29
